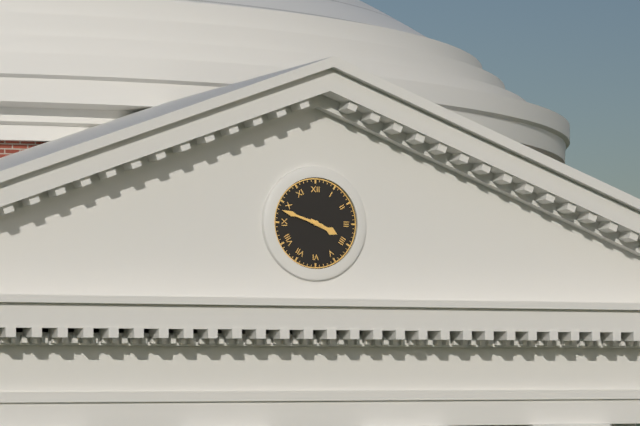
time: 3:48
